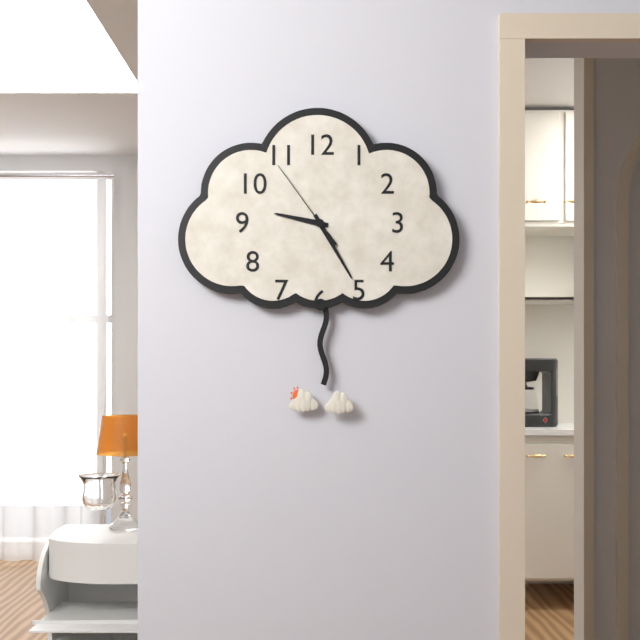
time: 9:25:54
